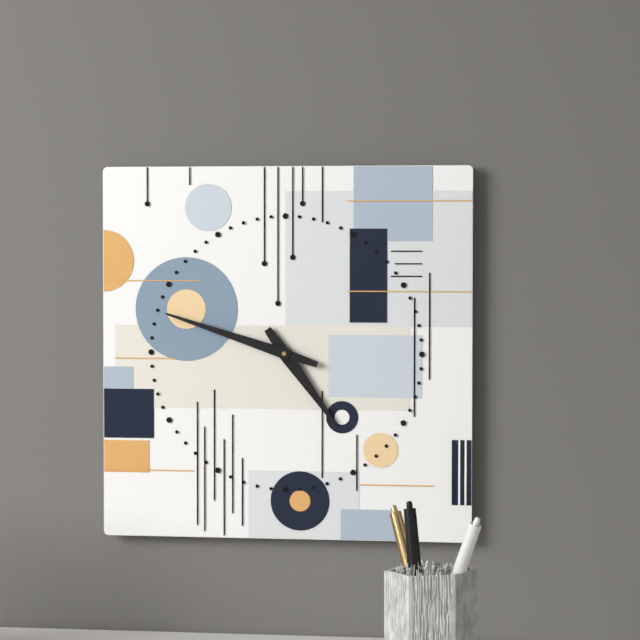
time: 4:48
